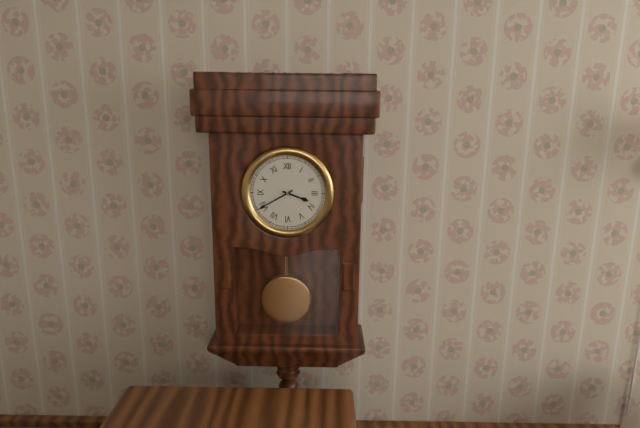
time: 3:40
